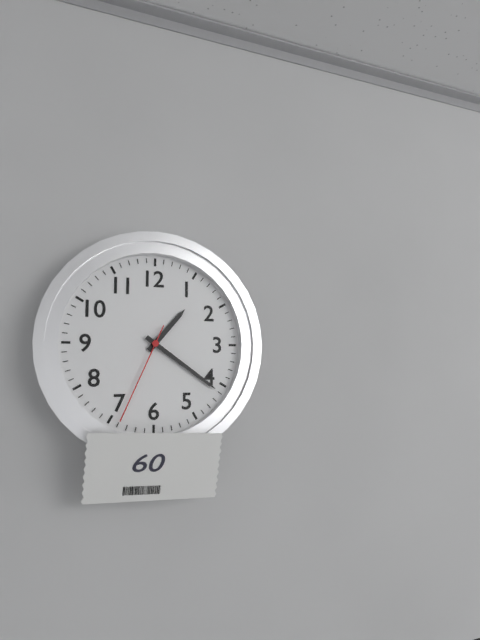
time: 1:21:34
